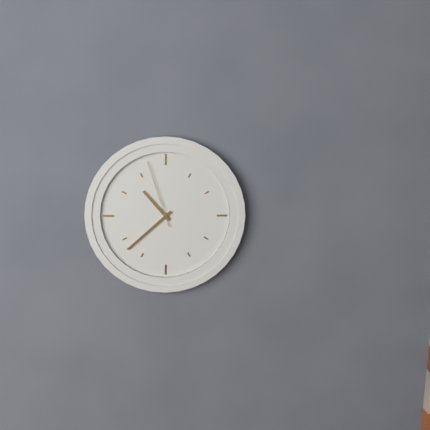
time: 10:38:57
